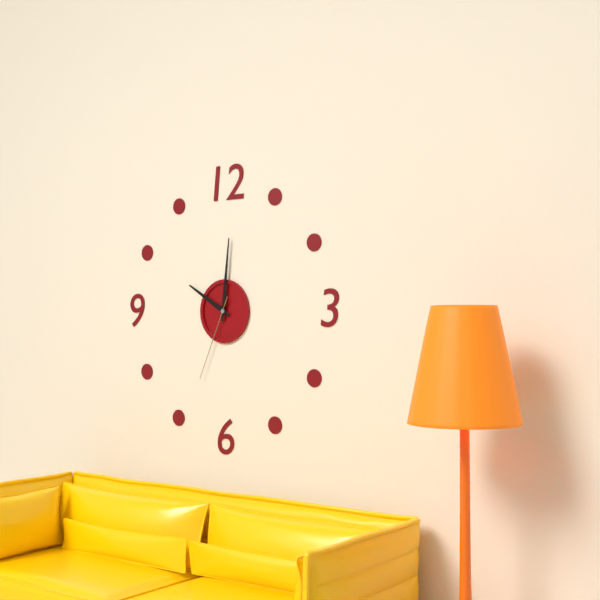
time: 10:01:34
